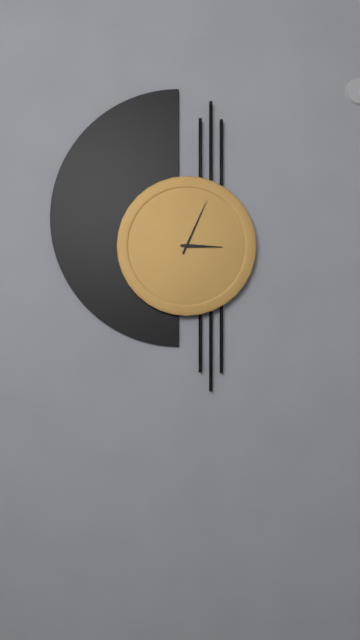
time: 3:04
